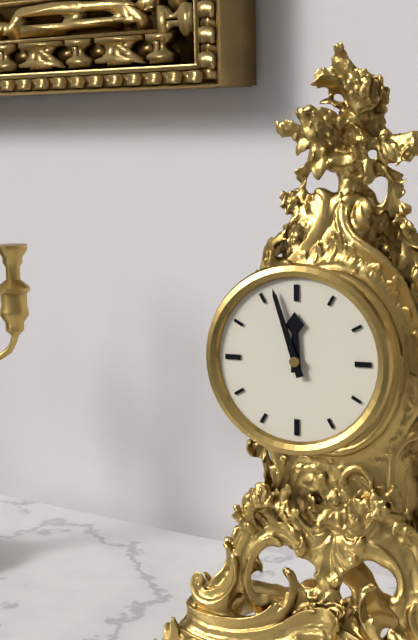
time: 11:57
